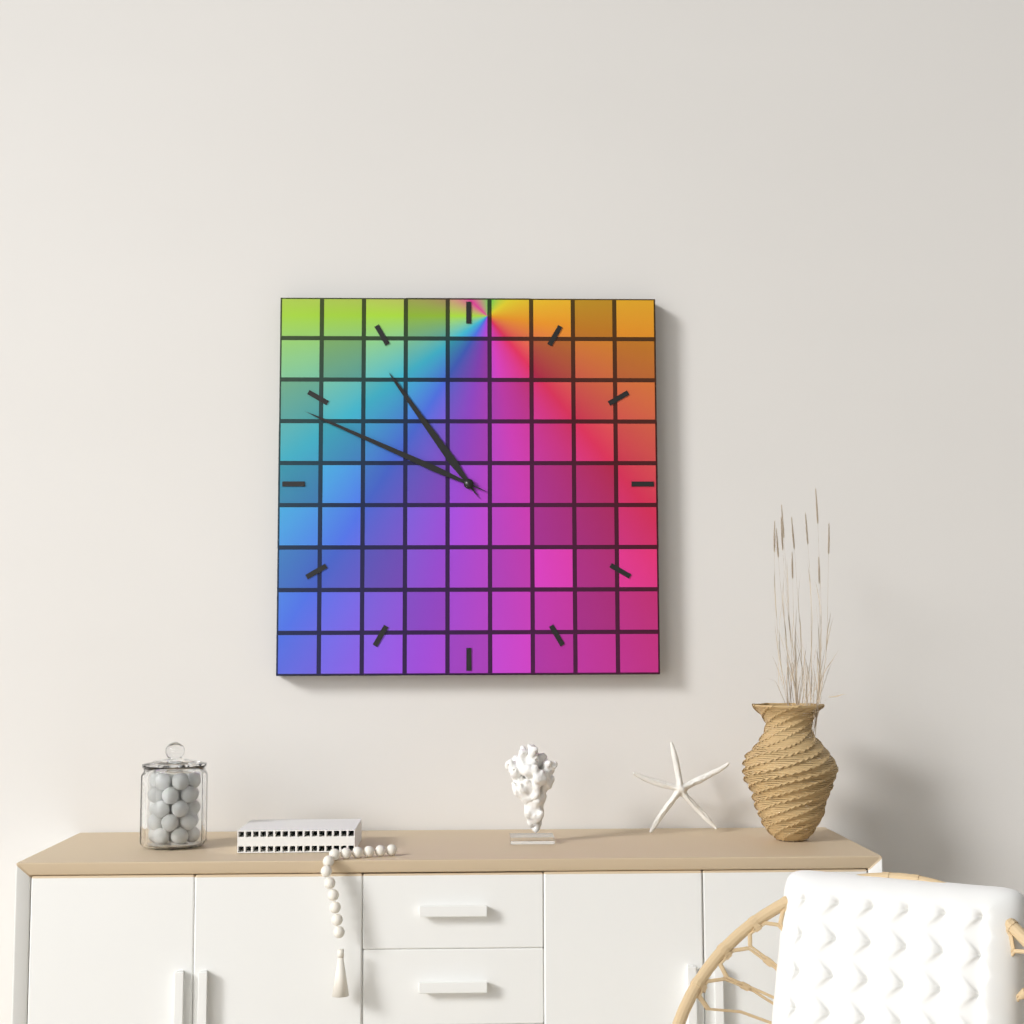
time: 10:49
